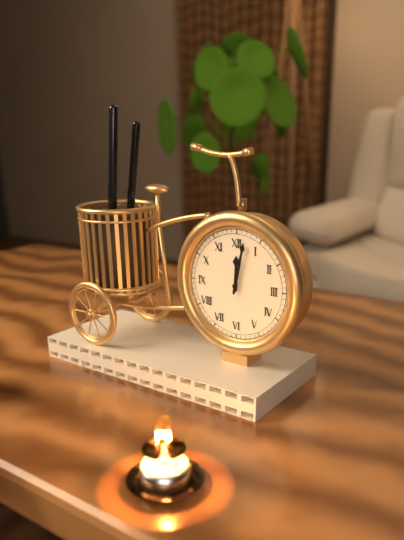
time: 12:02
